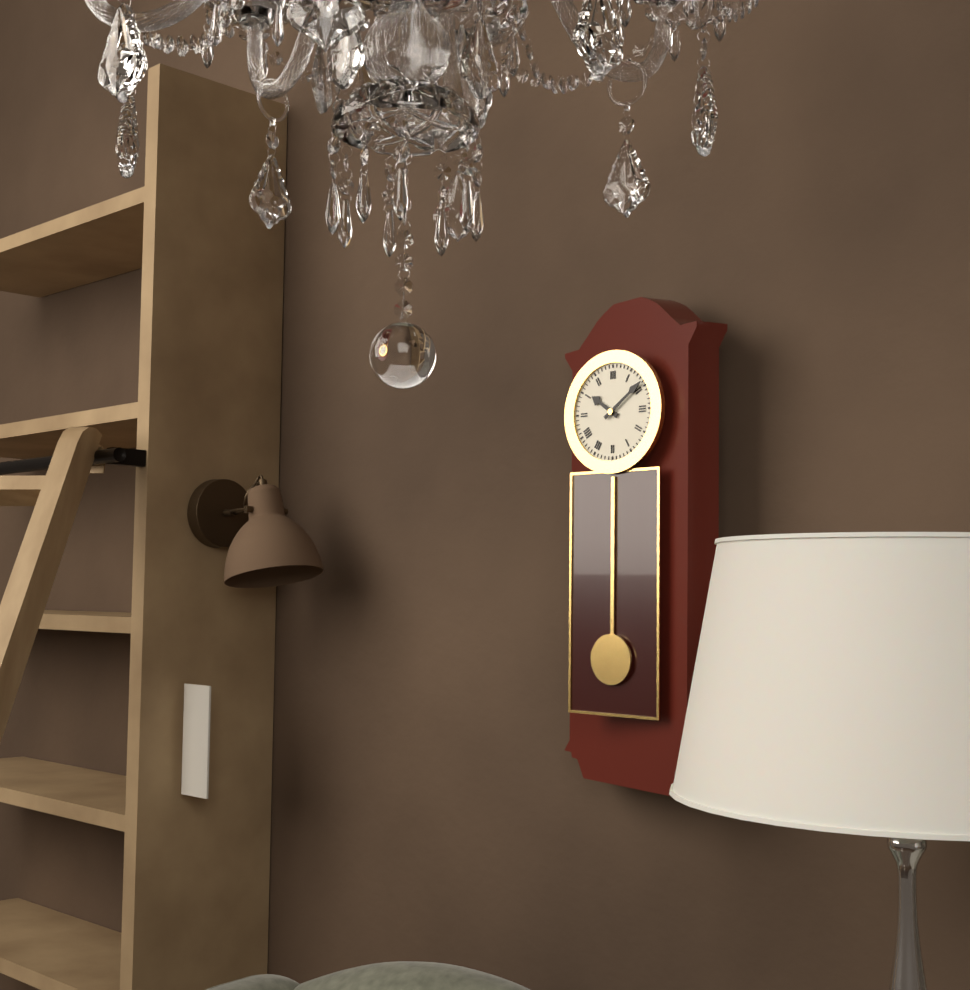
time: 10:09
